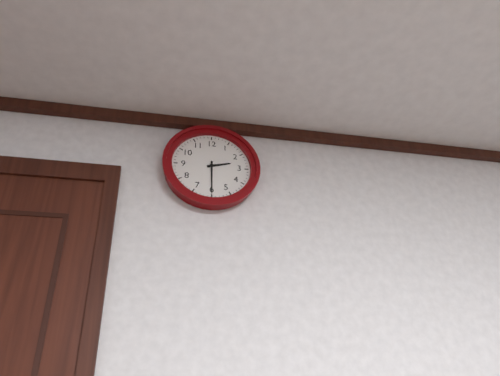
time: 2:30
